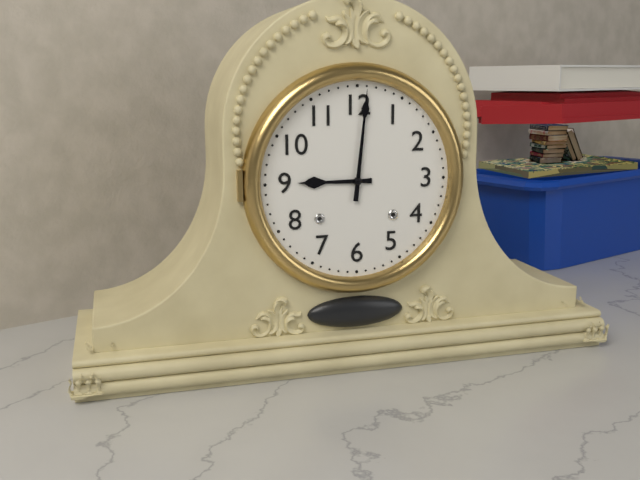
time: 9:01
